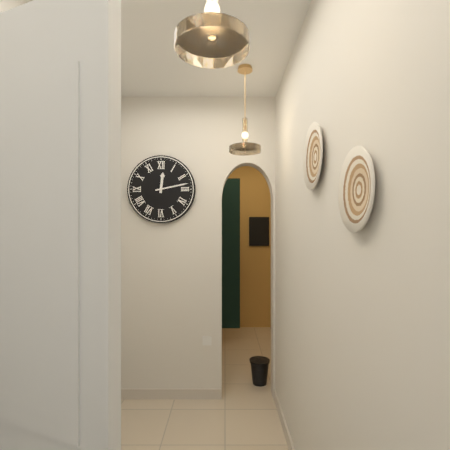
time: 12:13
